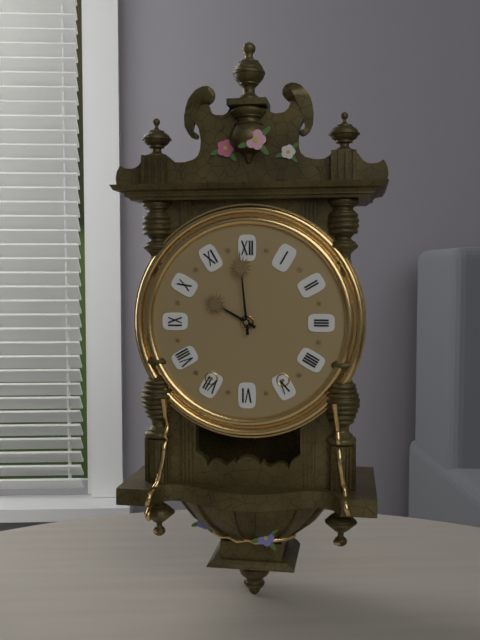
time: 9:59
